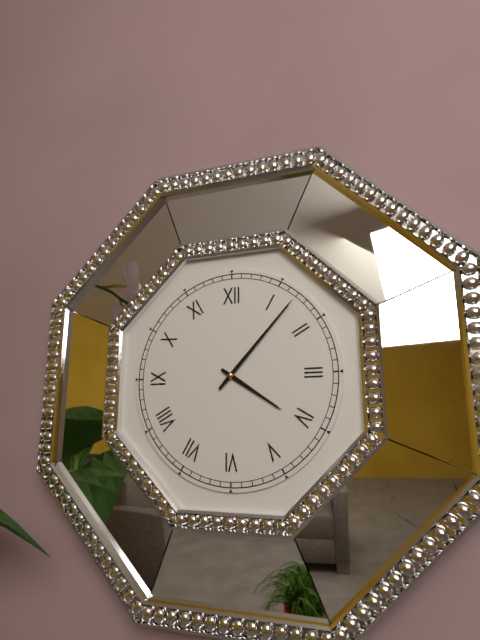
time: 4:07
